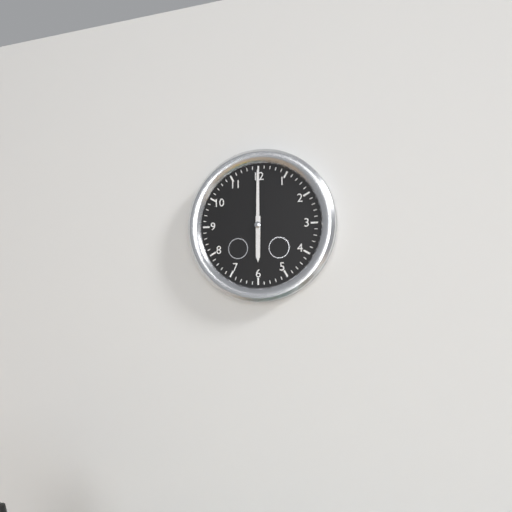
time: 6:00
